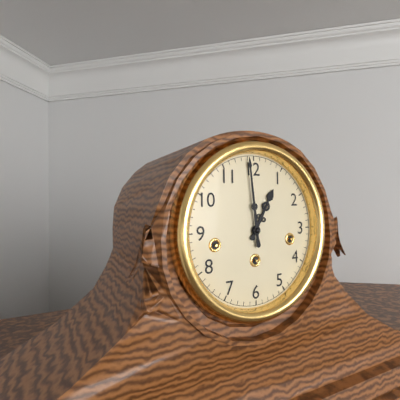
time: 12:59
